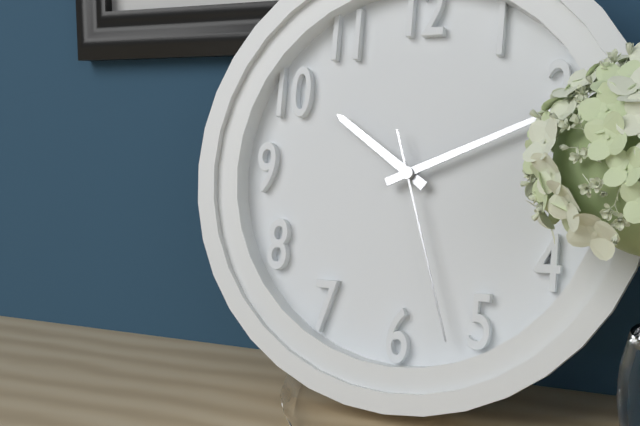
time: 10:11:27
